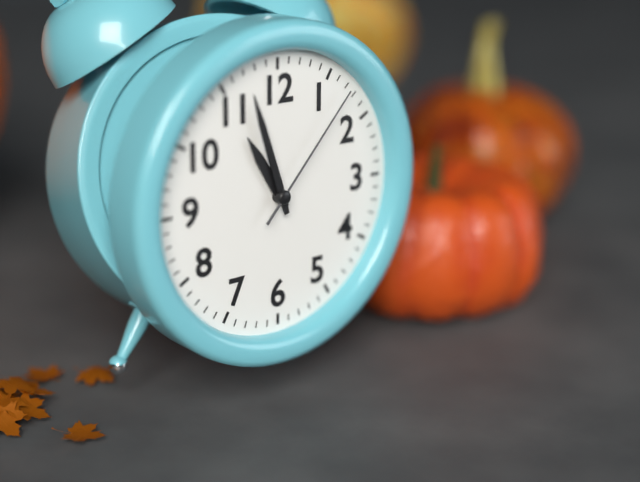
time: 10:57:07
